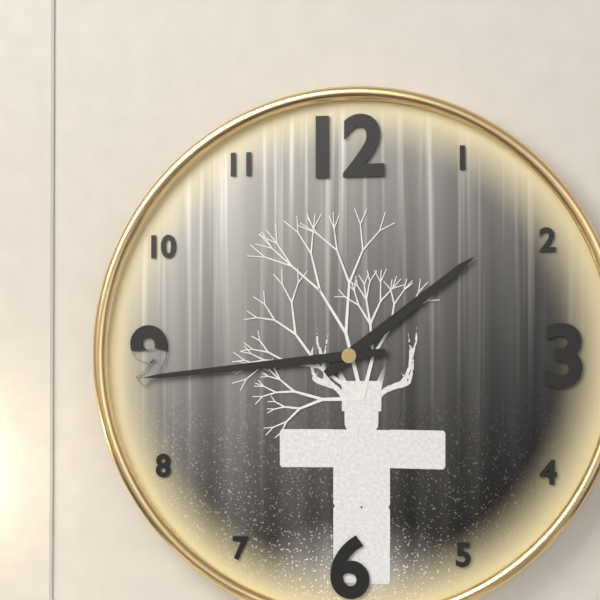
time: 1:44
